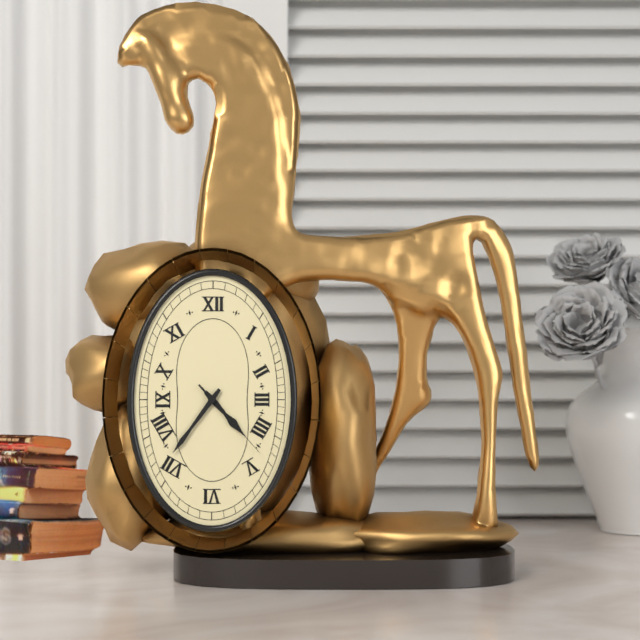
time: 4:36:23
